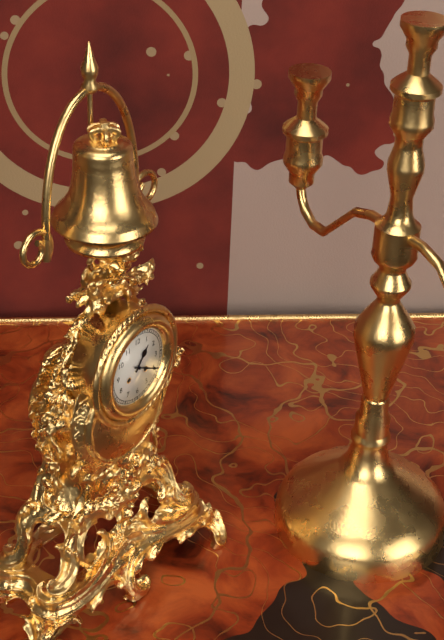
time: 1:20
